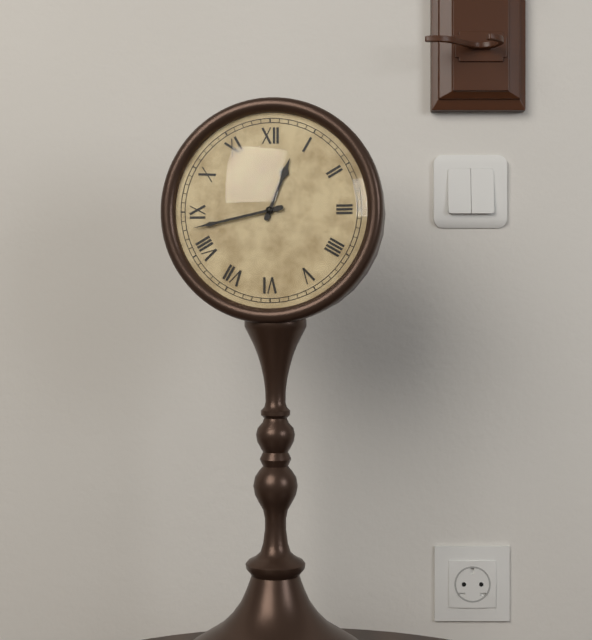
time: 12:43
